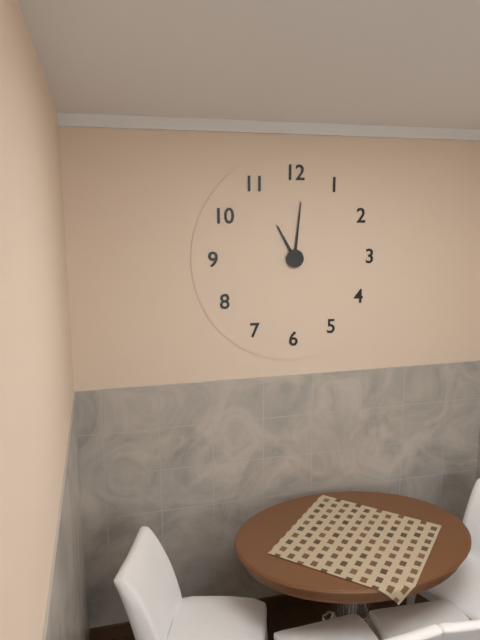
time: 11:01
